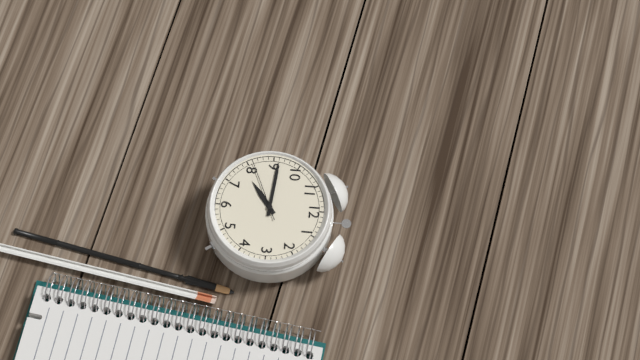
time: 7:46:41
